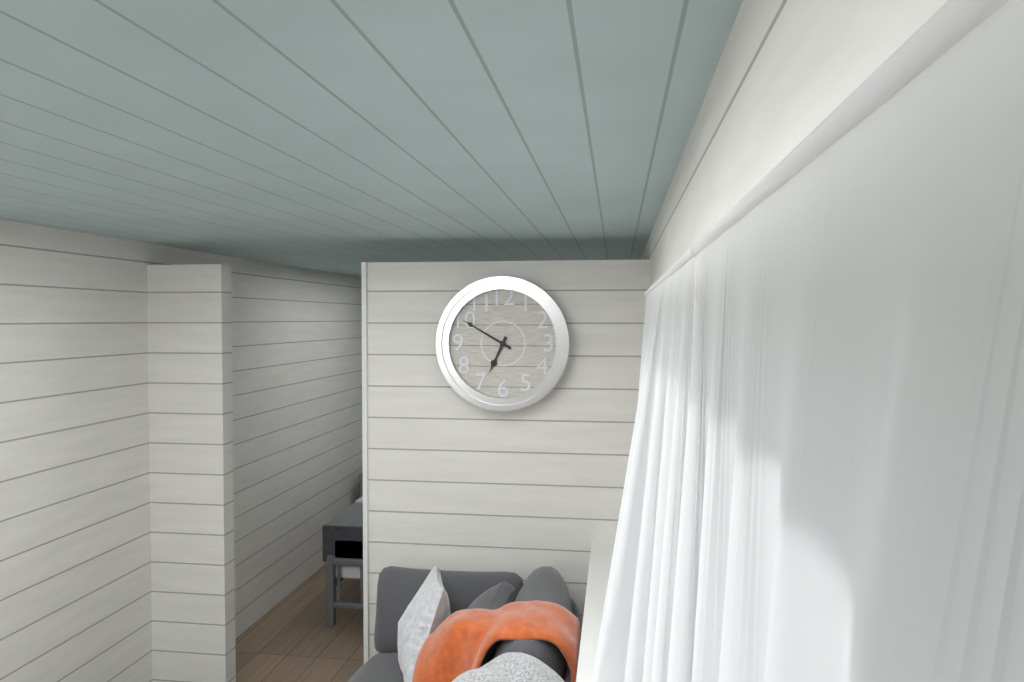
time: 6:50
